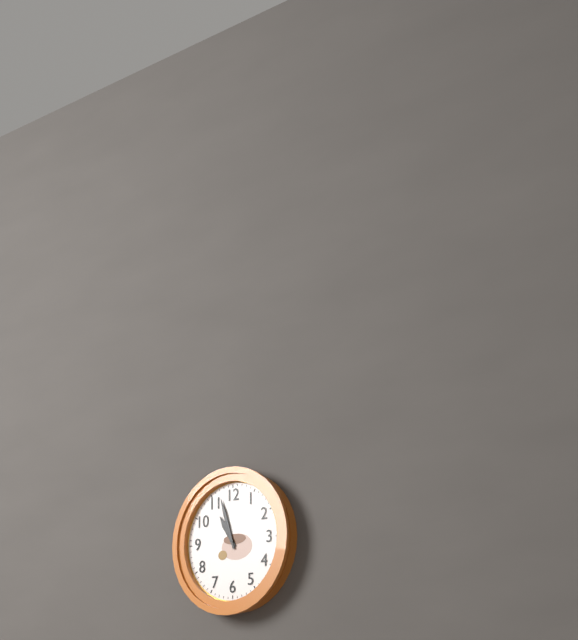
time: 10:57
